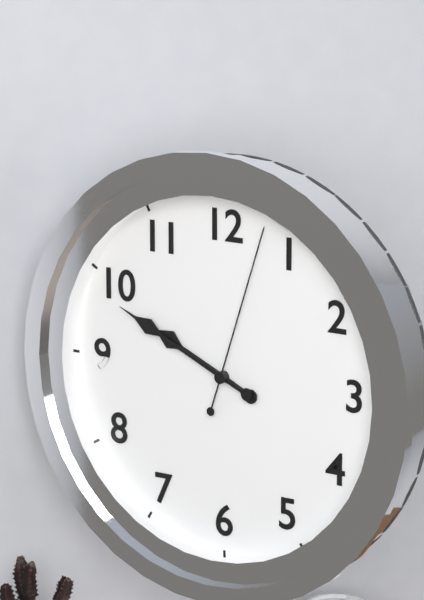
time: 9:49:03
